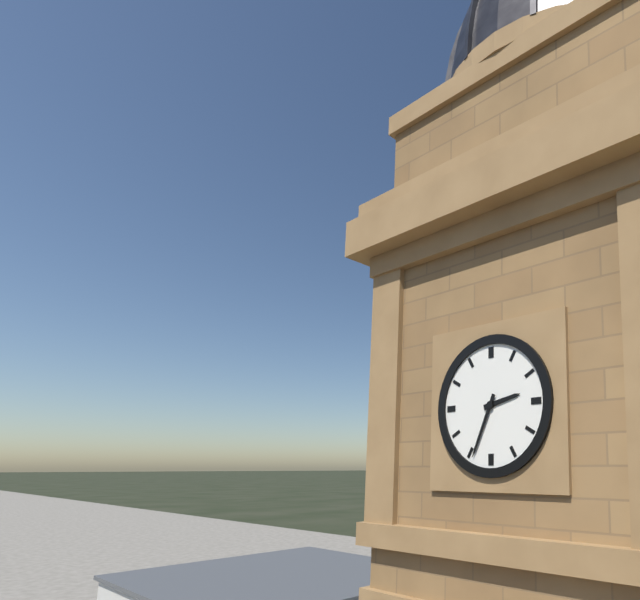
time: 2:34
